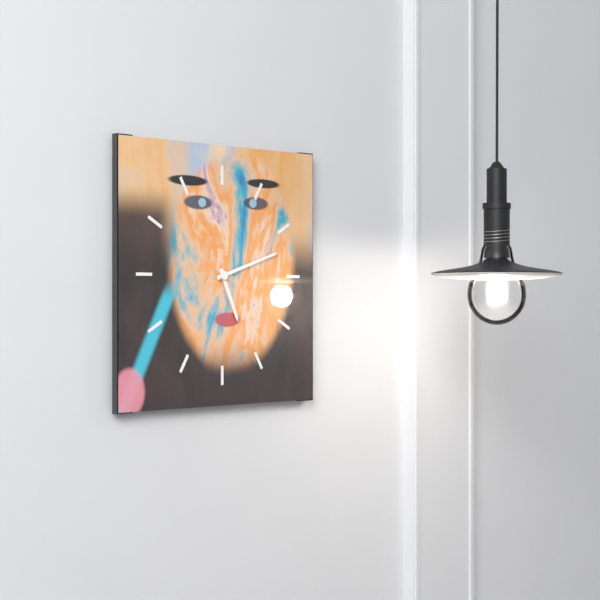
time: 5:12
